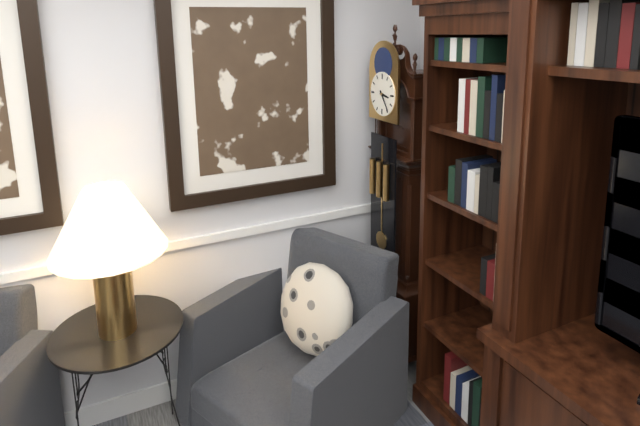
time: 3:24
